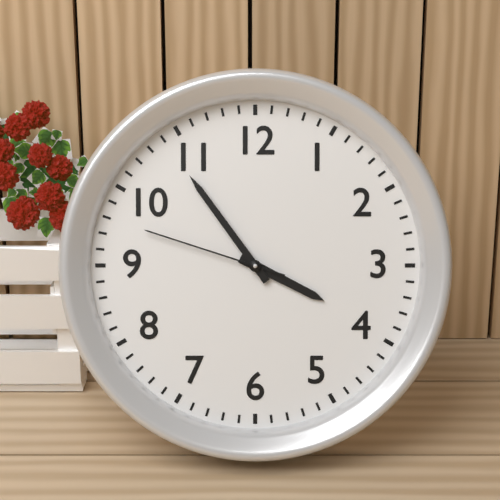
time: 3:54:48
